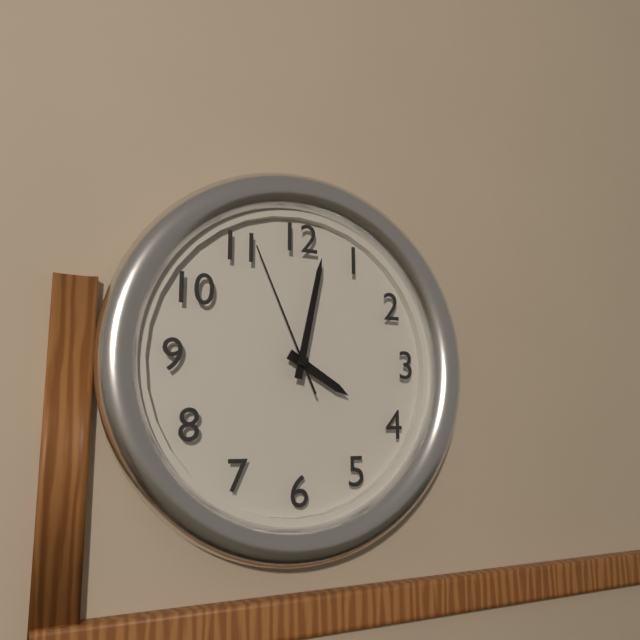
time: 4:02:56
